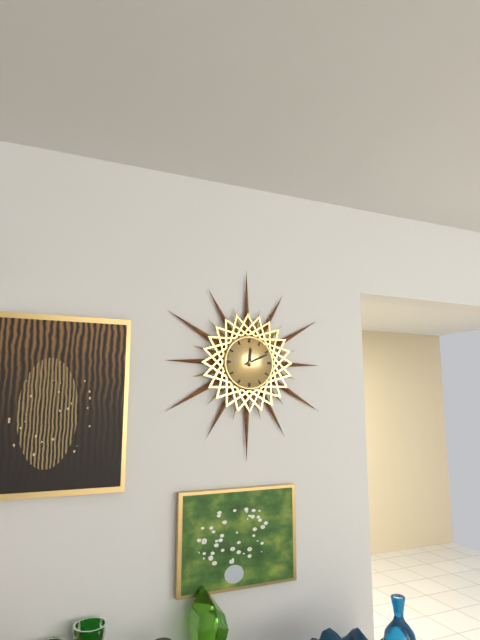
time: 12:11
